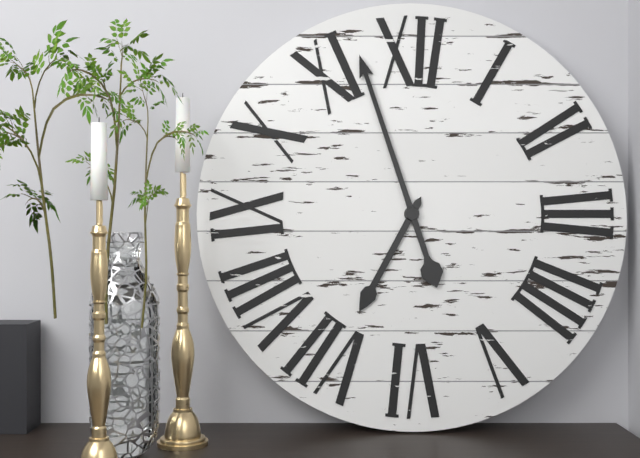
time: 6:57
